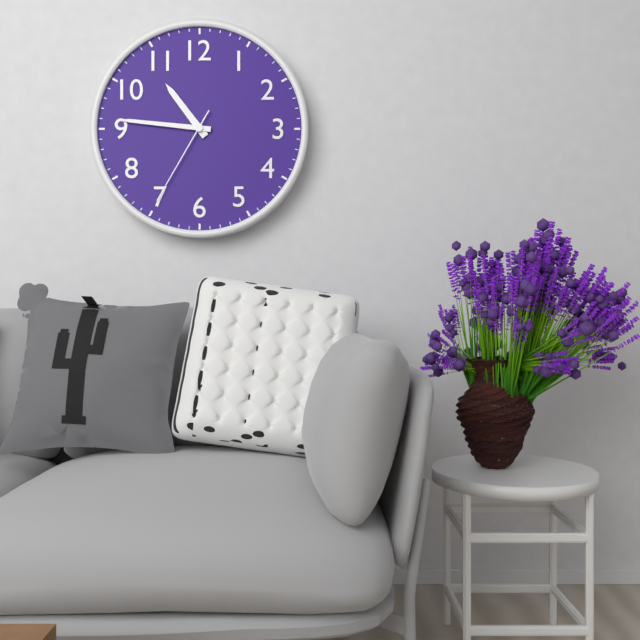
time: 10:46:35
